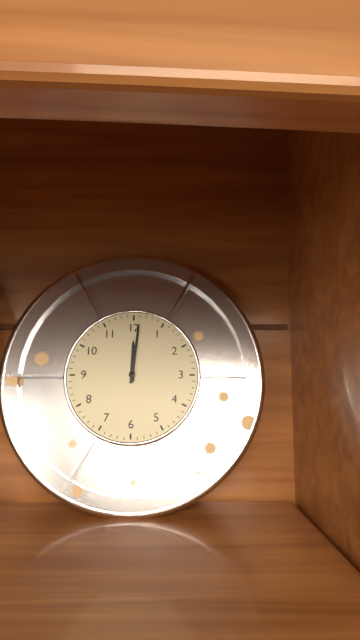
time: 12:01
